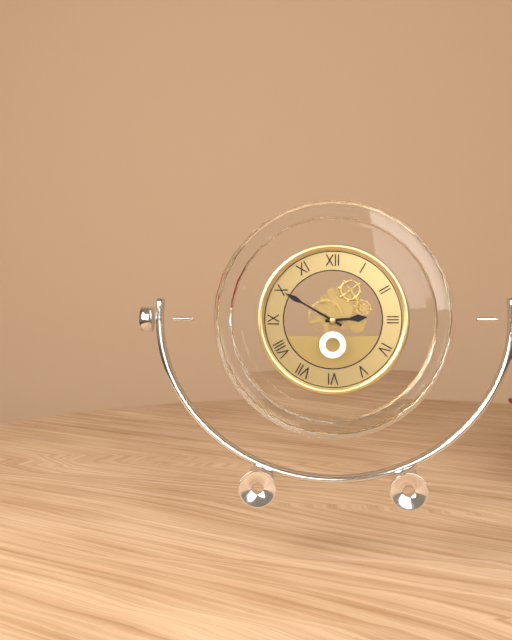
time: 2:50
